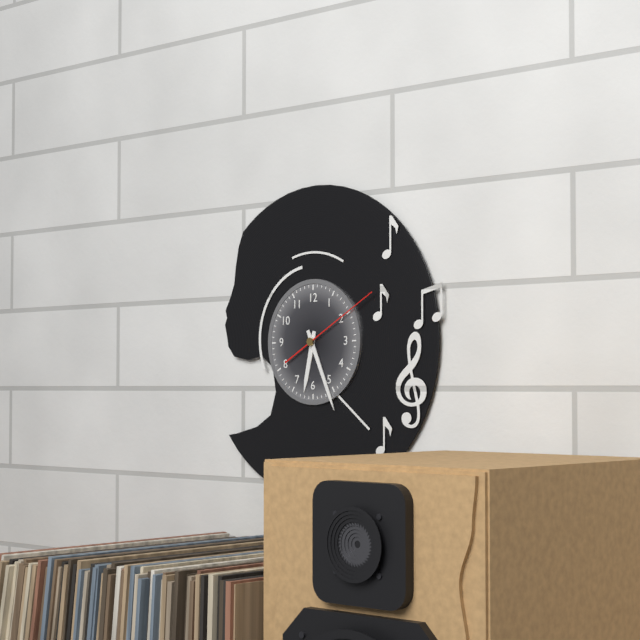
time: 6:26:10
